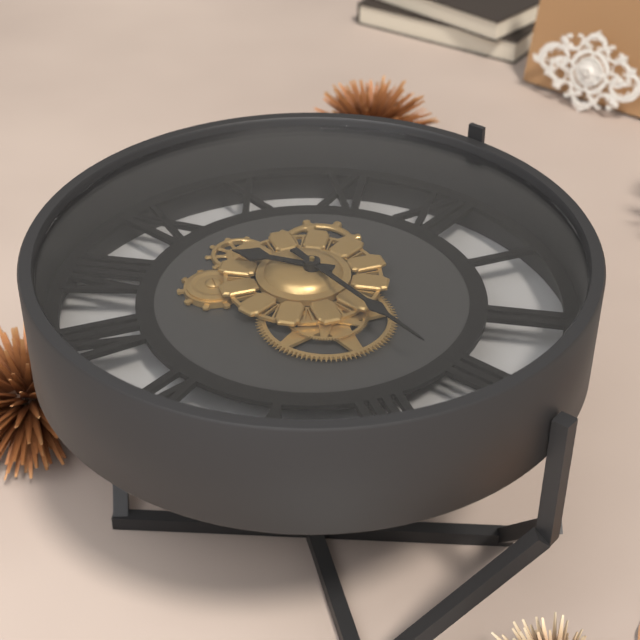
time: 8:17
